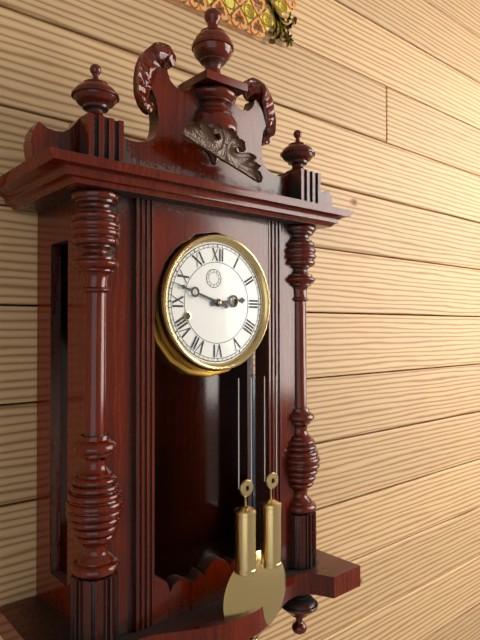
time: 2:48
